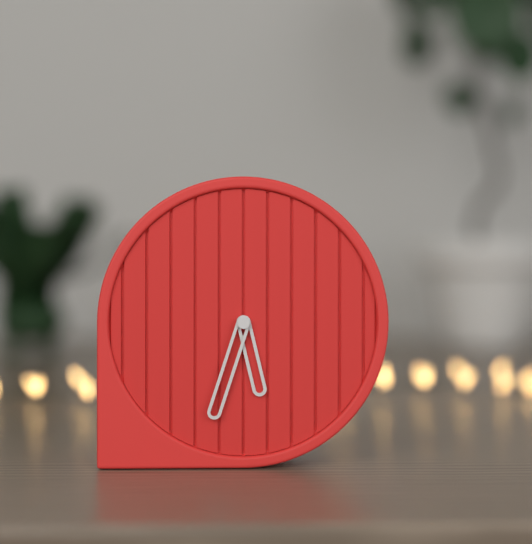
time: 5:33
